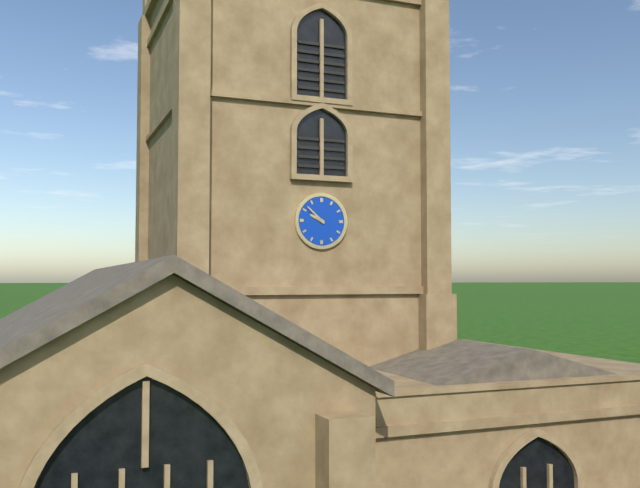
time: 9:52
